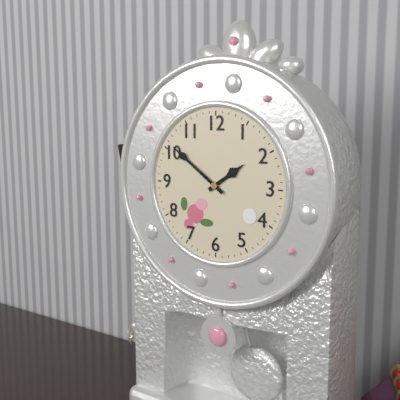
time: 1:51
